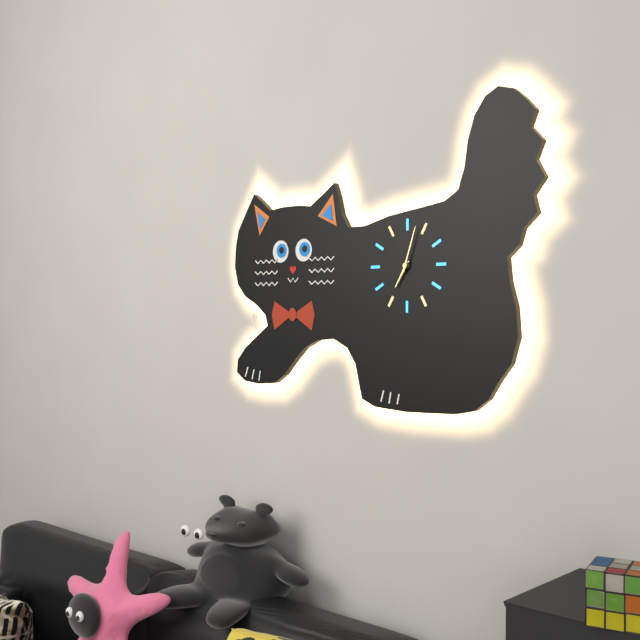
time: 7:03
